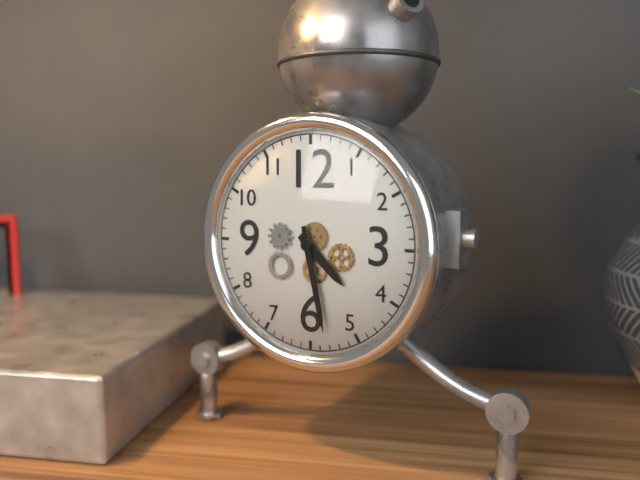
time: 4:28
